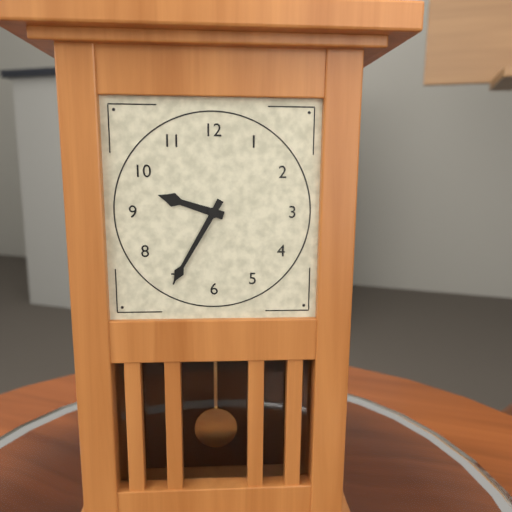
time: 9:35
